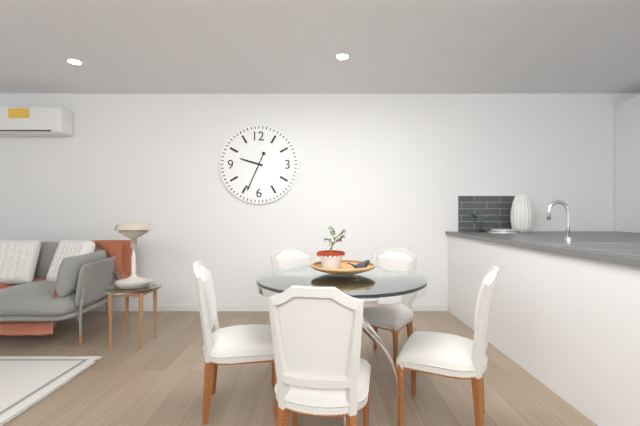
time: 9:34
